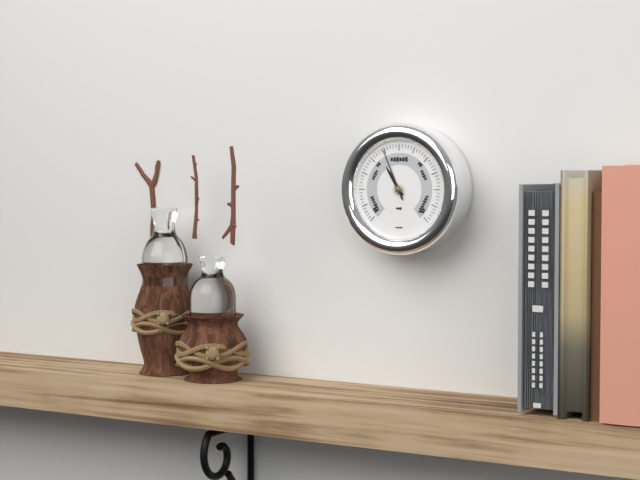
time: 10:56
